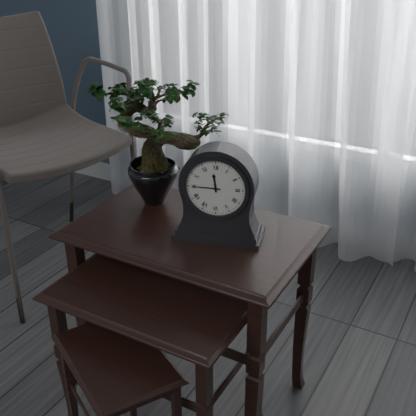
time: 11:45
